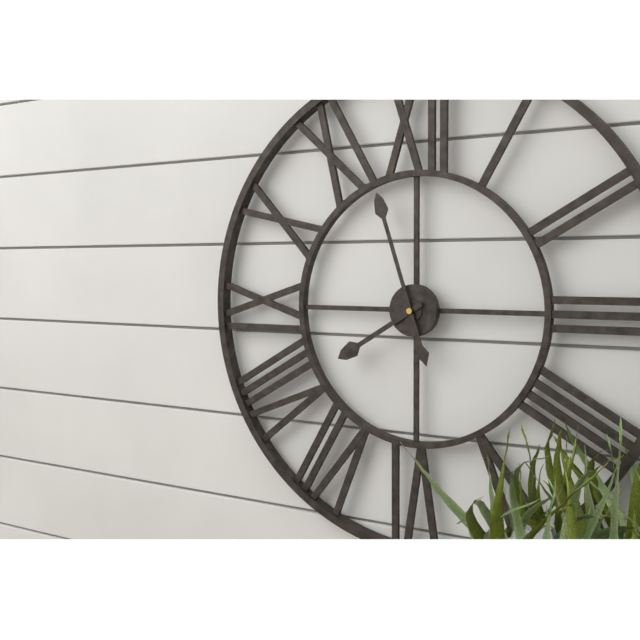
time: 7:57
